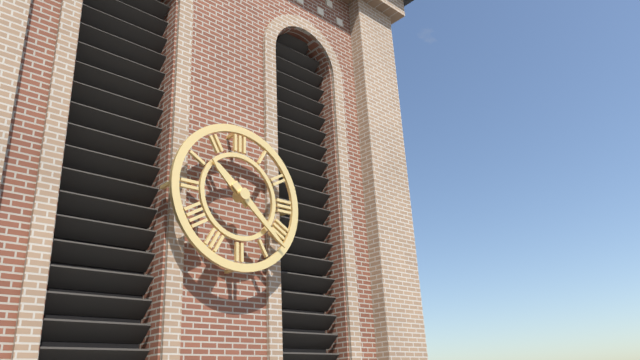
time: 10:22
